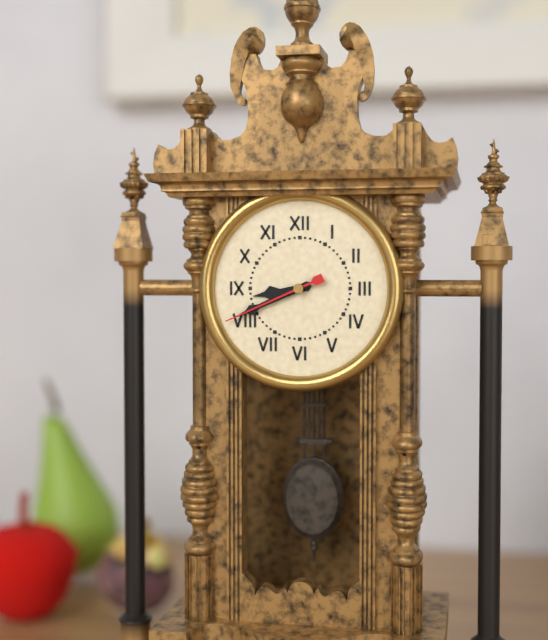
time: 8:41:41
